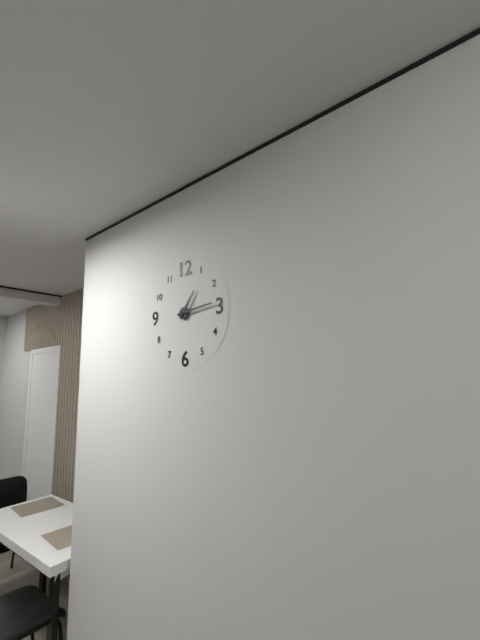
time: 1:14
